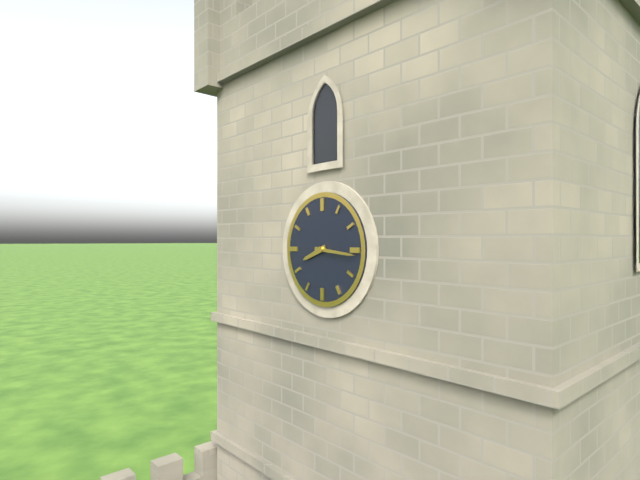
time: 8:16
